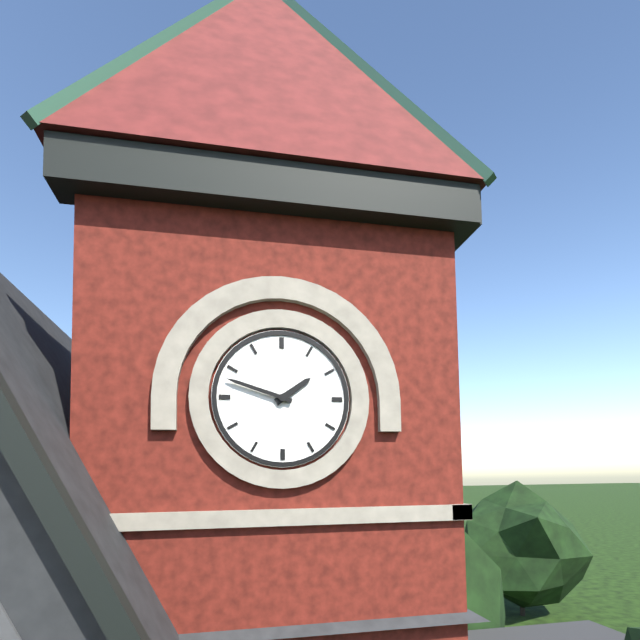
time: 1:48
